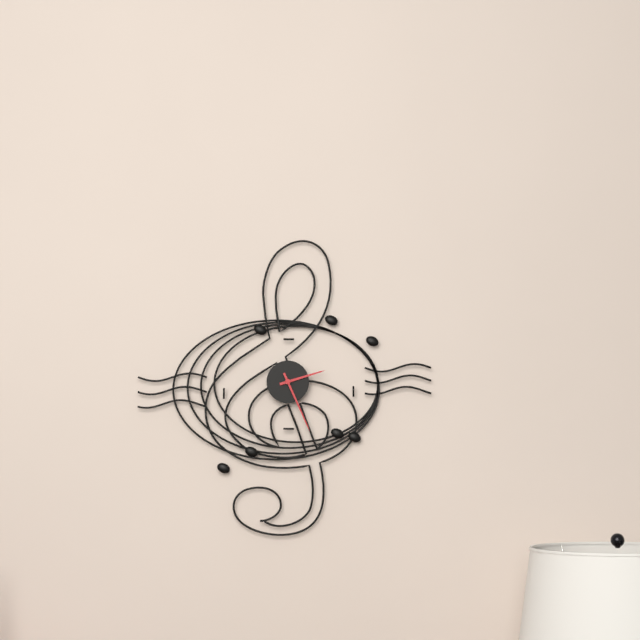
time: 2:26
